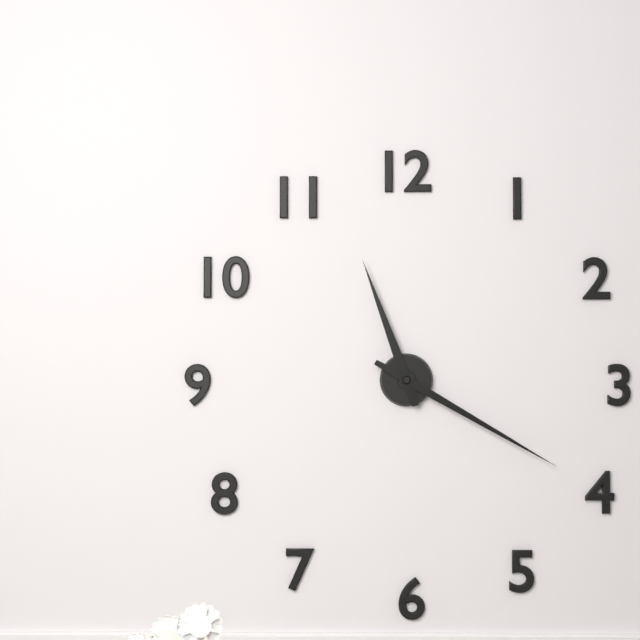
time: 11:20
